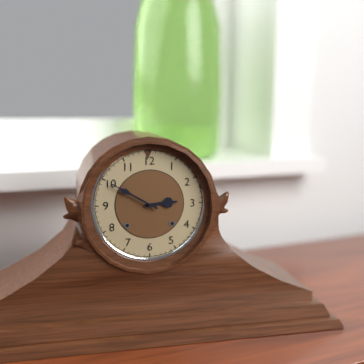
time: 2:50
